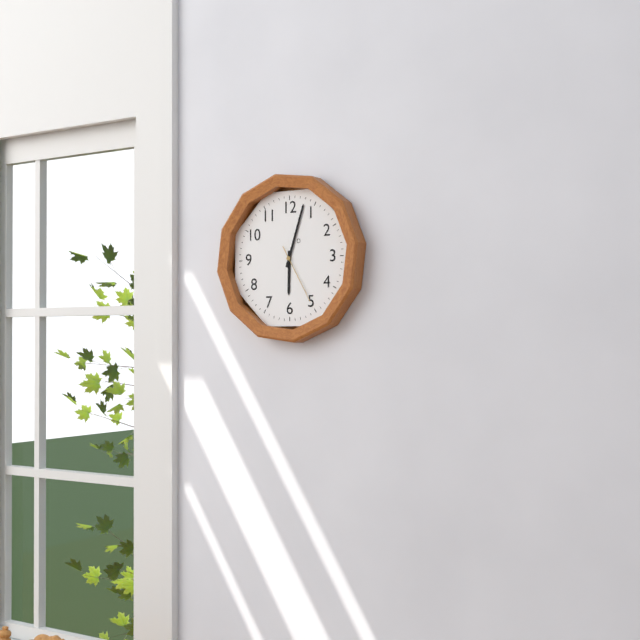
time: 6:03:25
